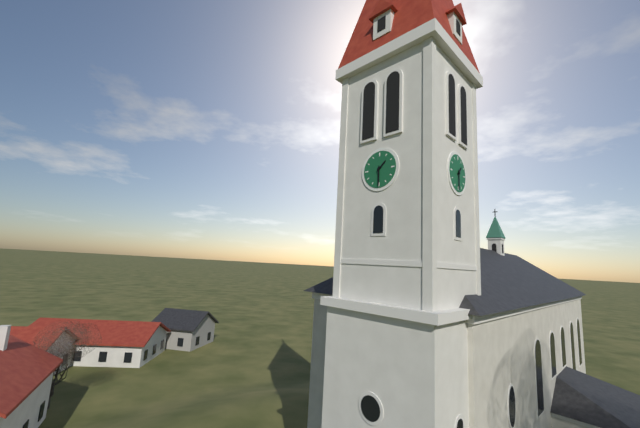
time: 1:30
